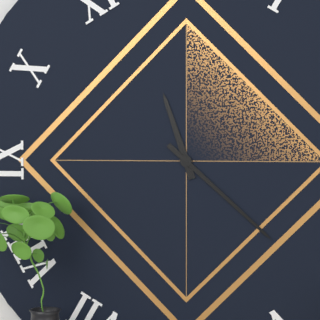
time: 11:22
